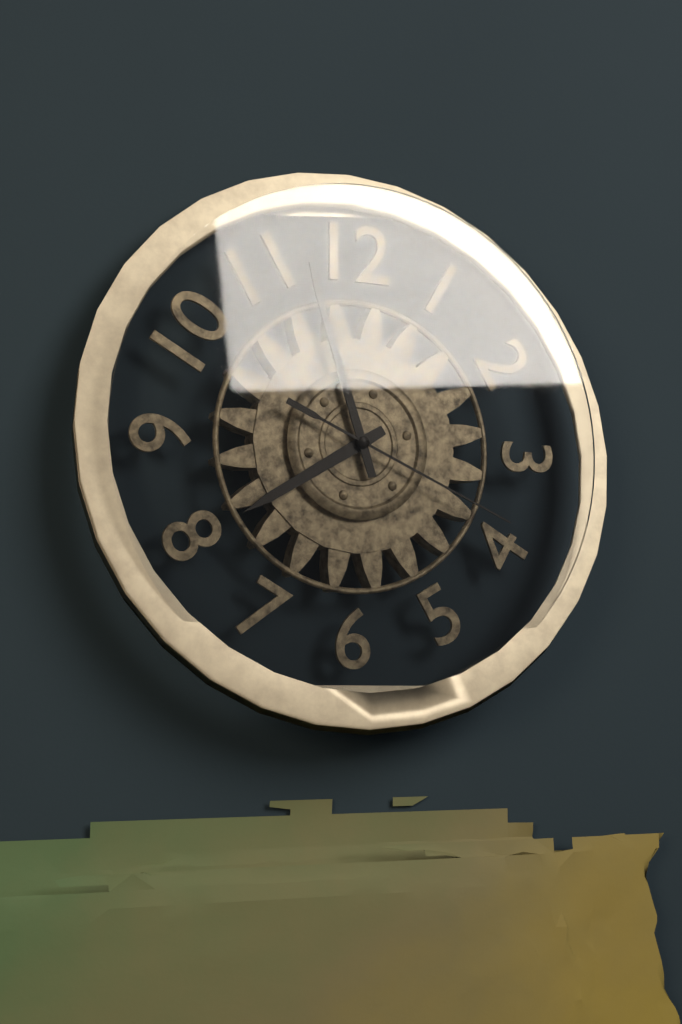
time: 7:57:19
